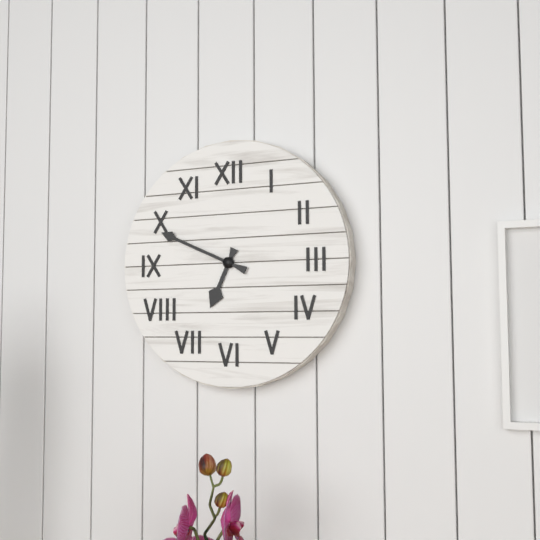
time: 6:49
